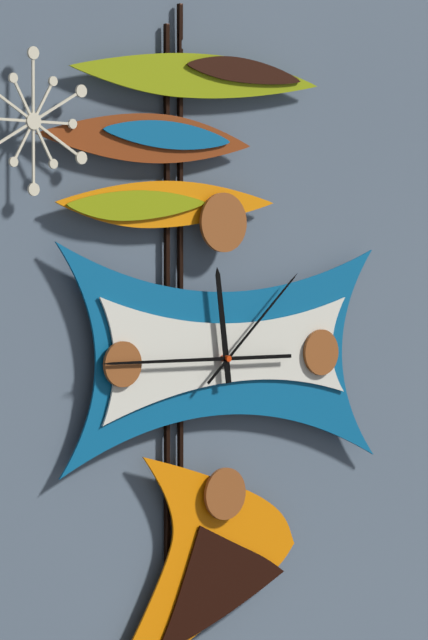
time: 11:45:08
